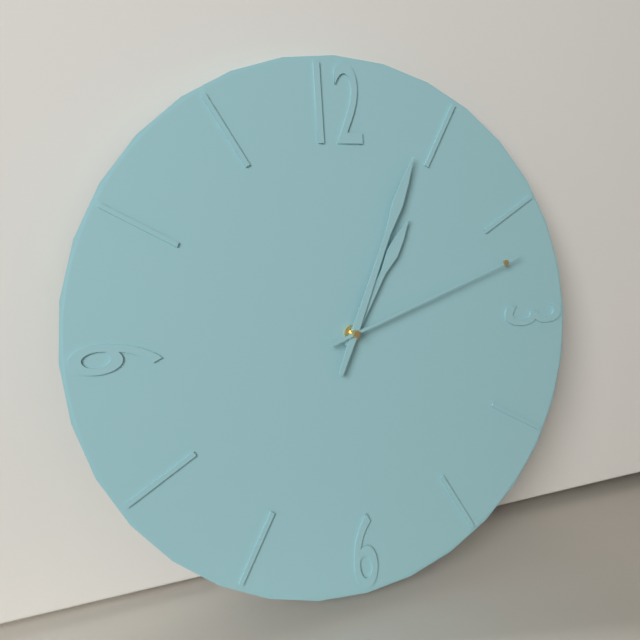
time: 1:04:12
